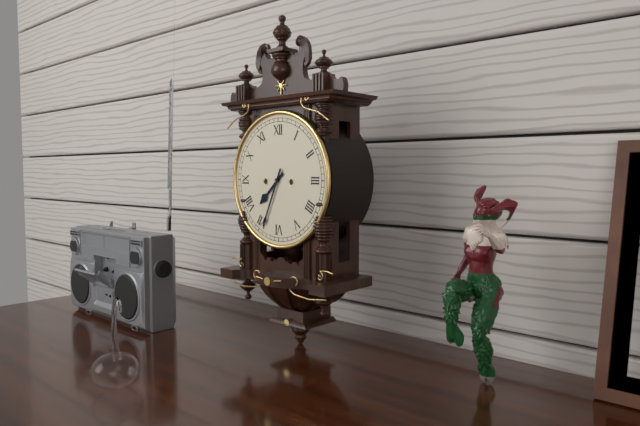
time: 7:34
